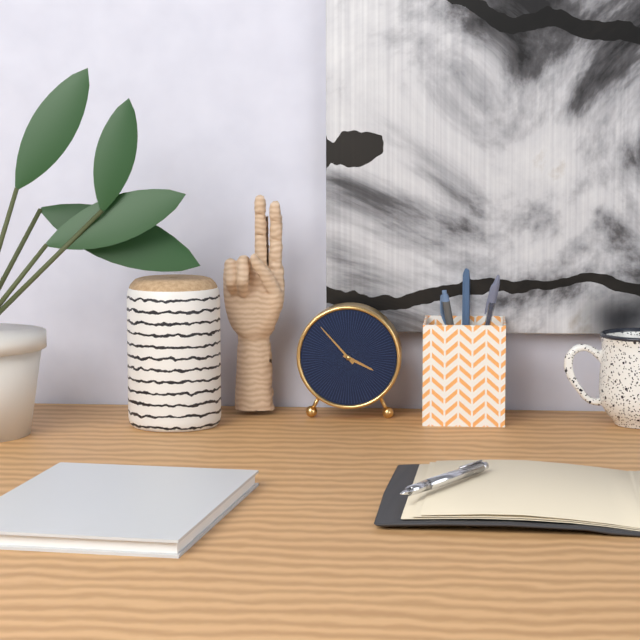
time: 3:53
